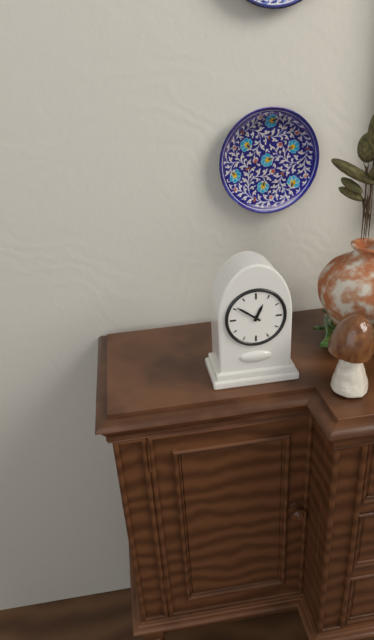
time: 12:51
